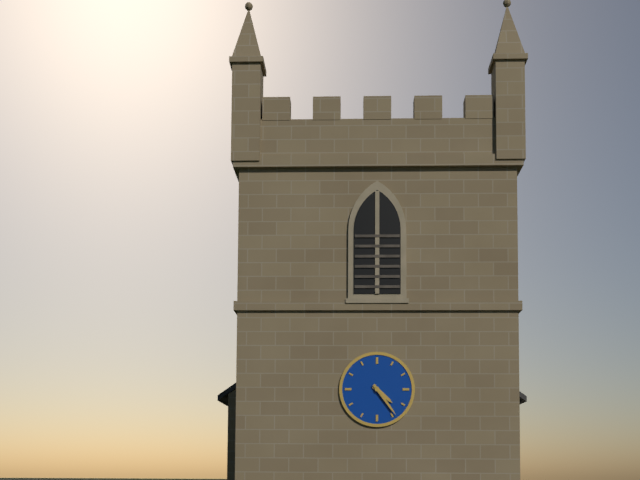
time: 4:24
